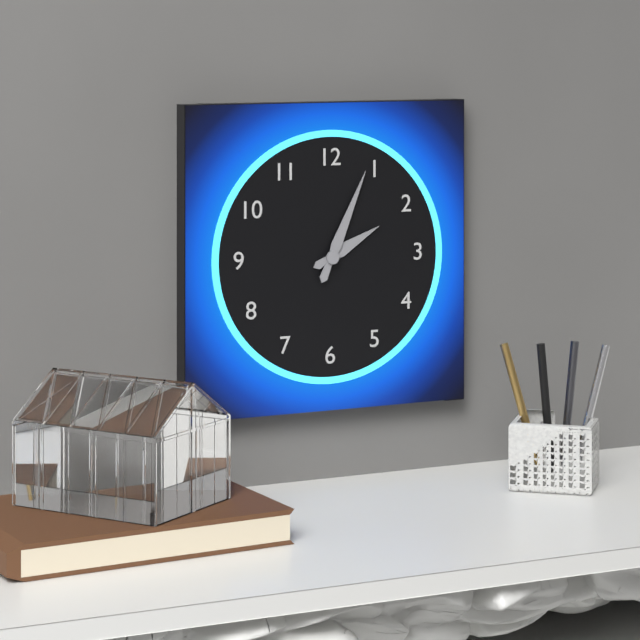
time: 2:04
